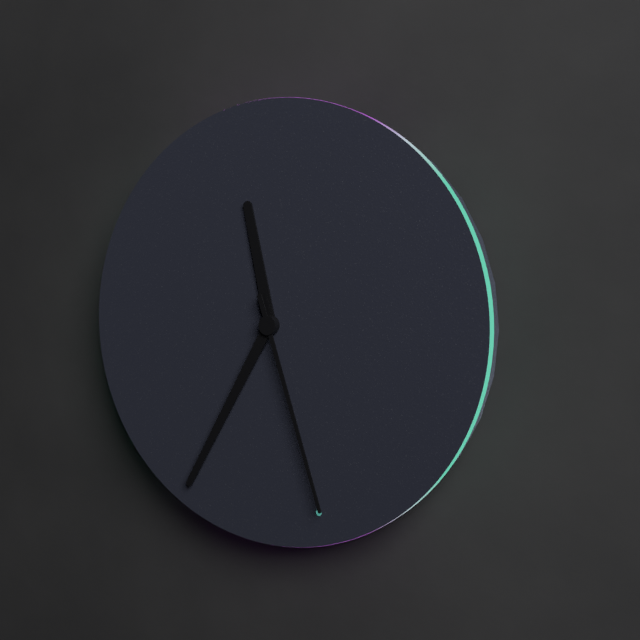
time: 11:35:27
